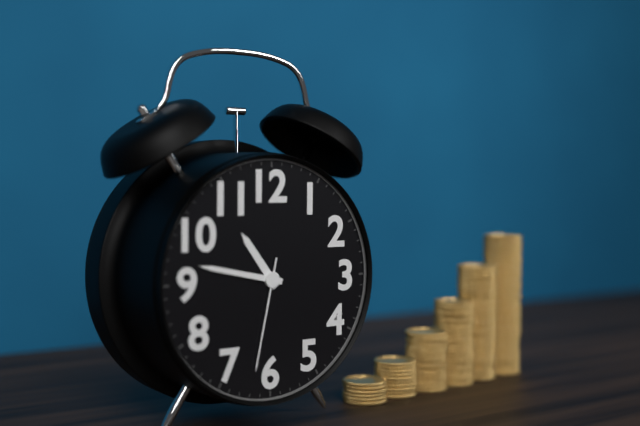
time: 10:47:32
